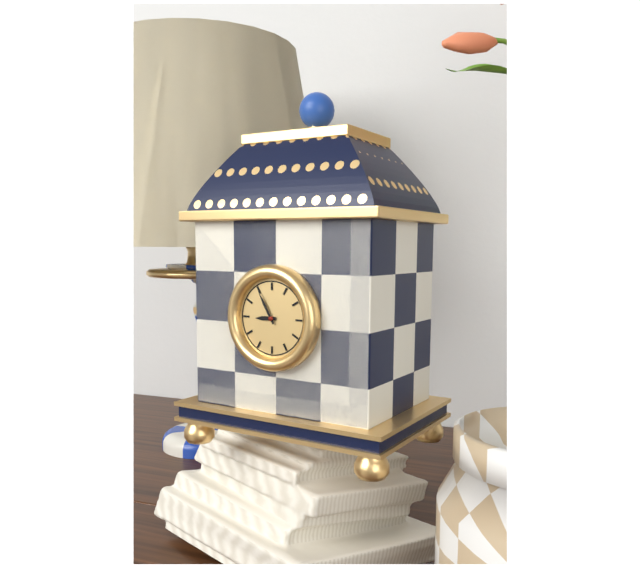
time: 8:55
